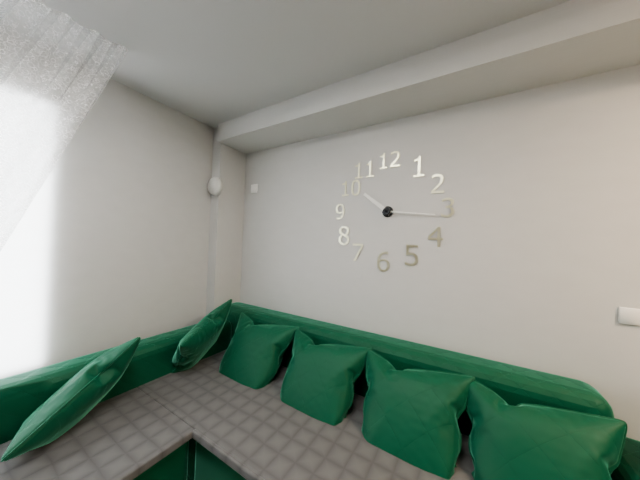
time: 10:16
